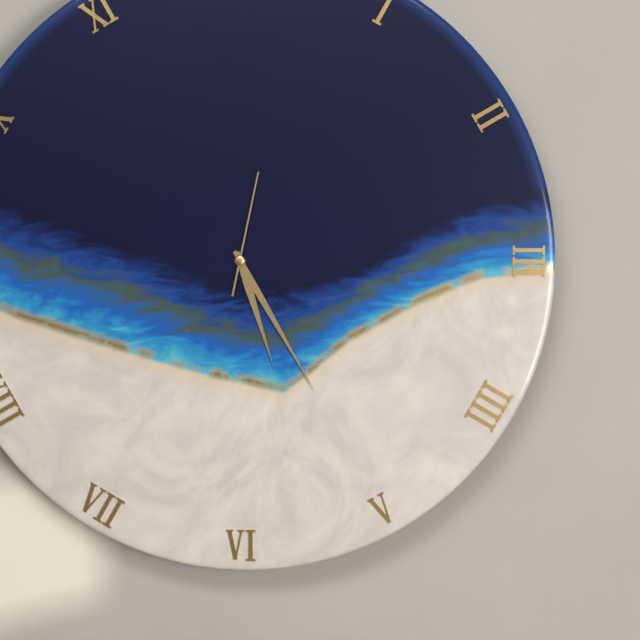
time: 5:25:02
